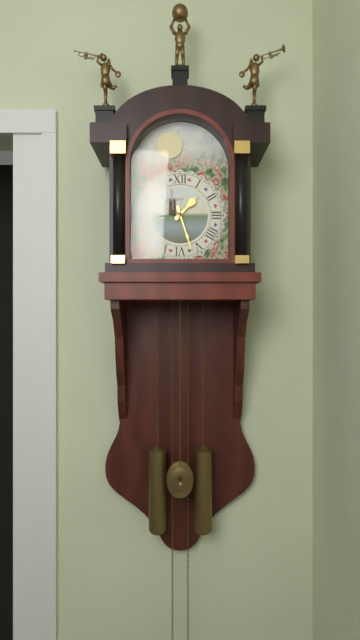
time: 1:27
